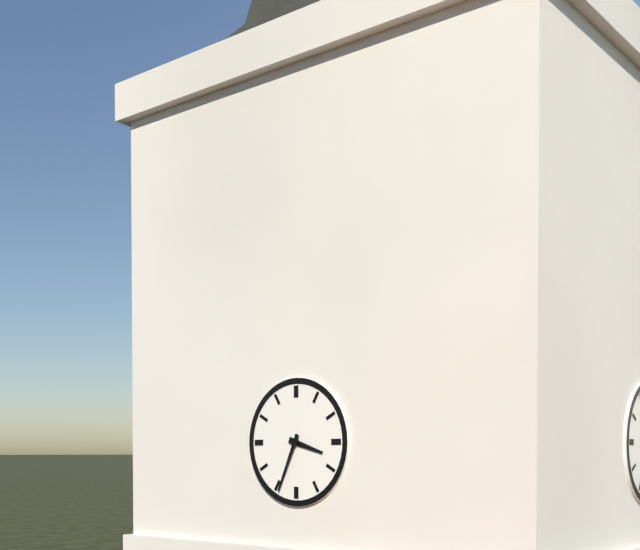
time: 3:34
